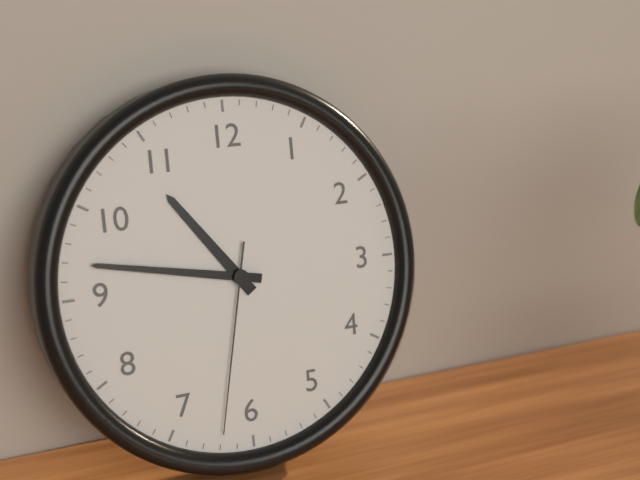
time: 10:47:32
